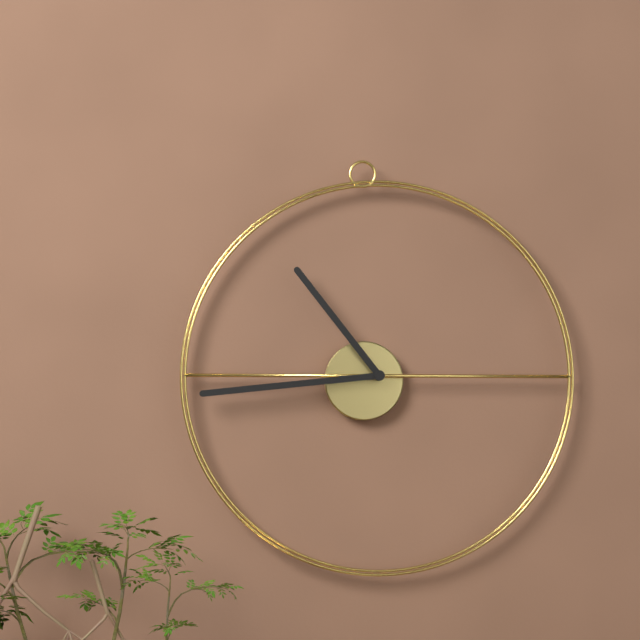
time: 10:44
